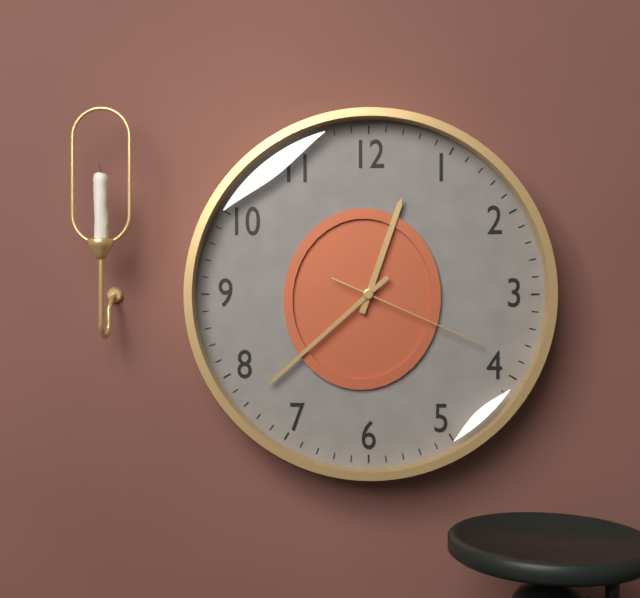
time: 12:38:19
